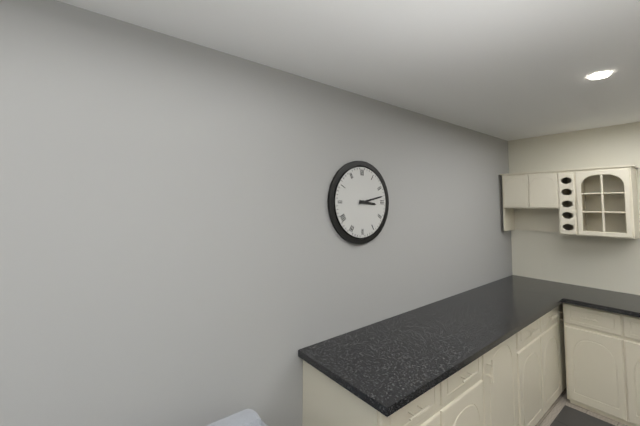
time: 3:13
